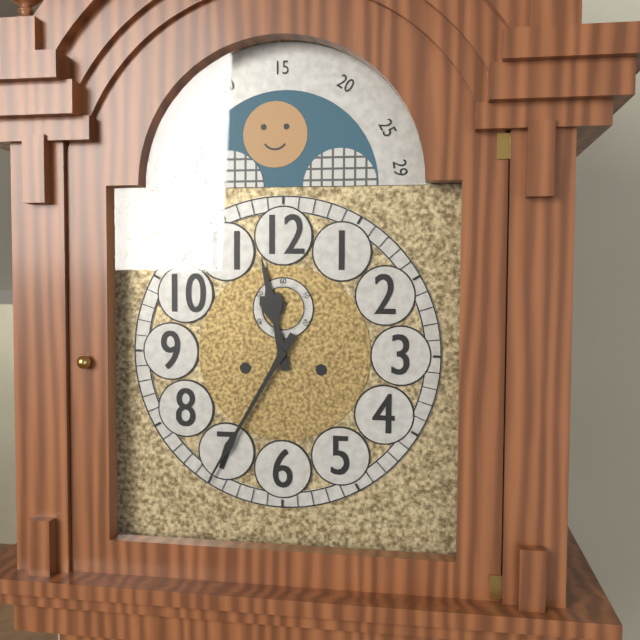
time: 11:35
